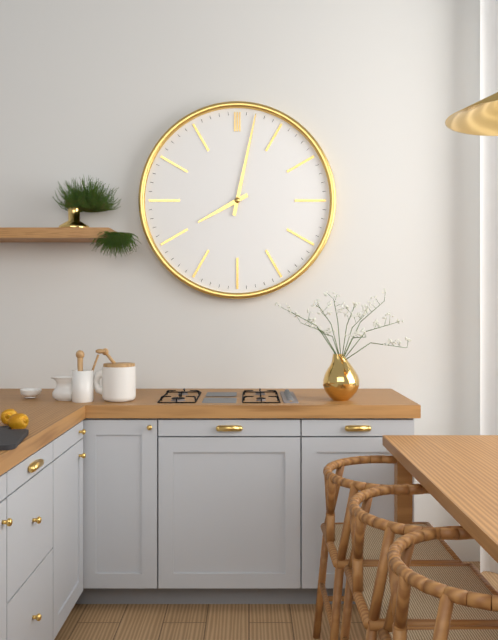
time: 8:02
